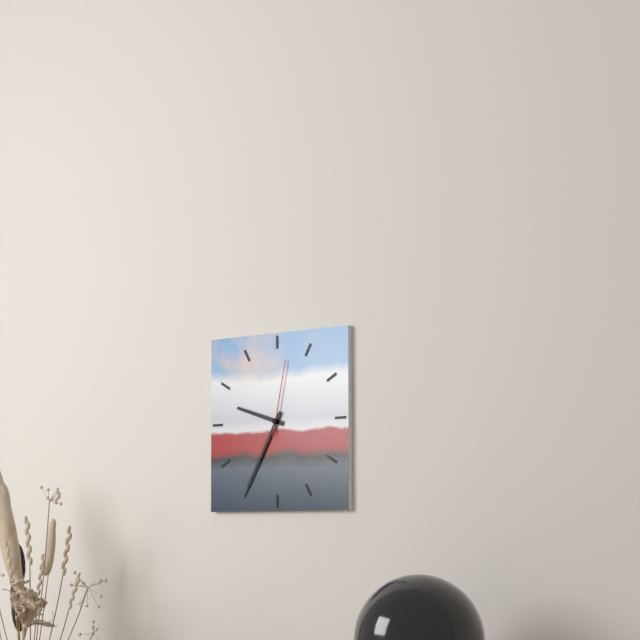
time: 9:35:02
